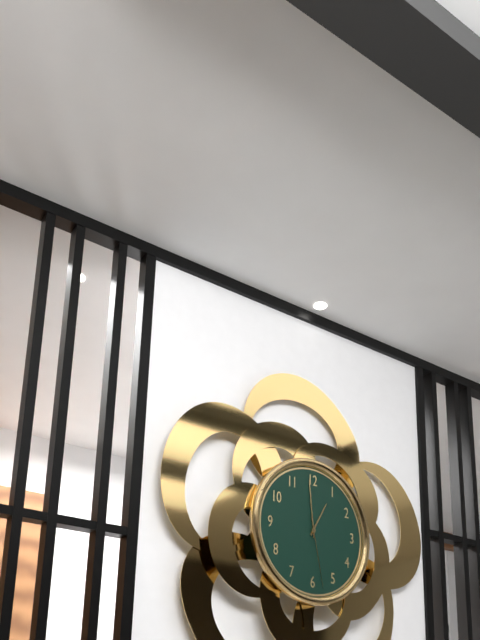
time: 12:59:28
